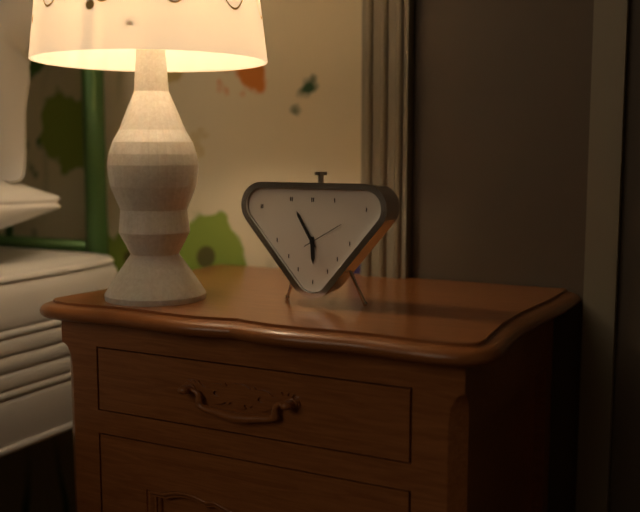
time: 5:55
